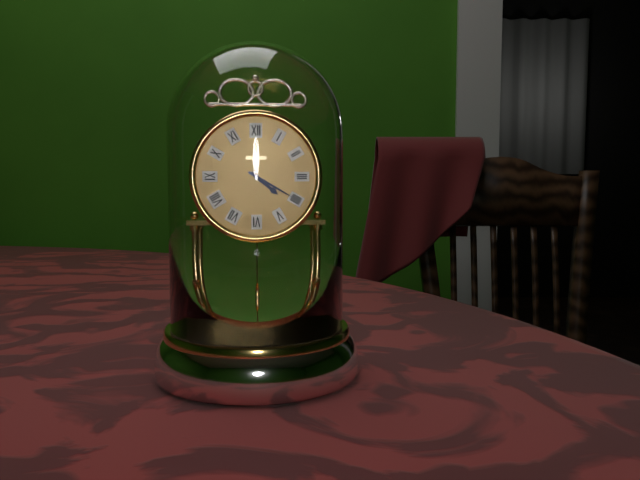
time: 4:20
